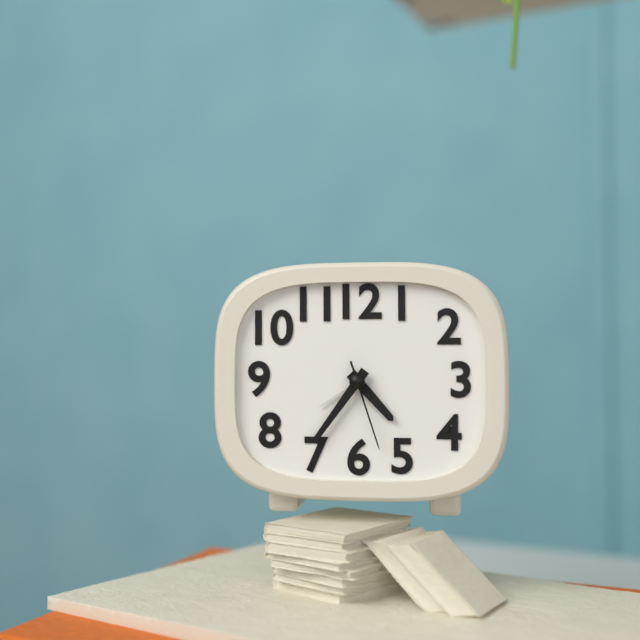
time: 4:36:27
